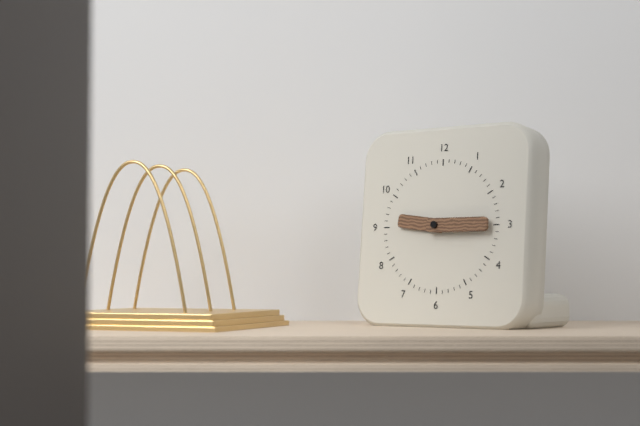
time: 9:15
